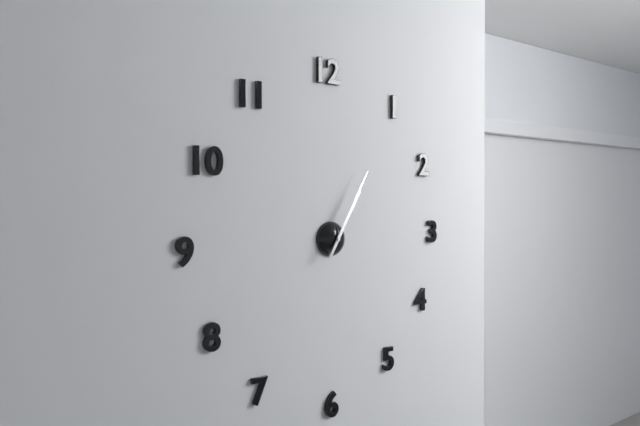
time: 1:05
